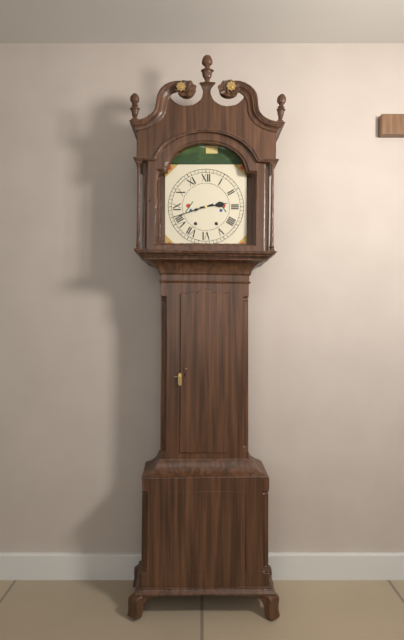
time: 2:42
